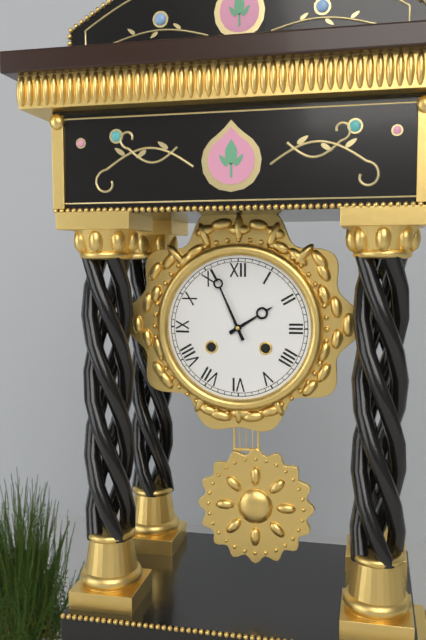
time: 1:56
